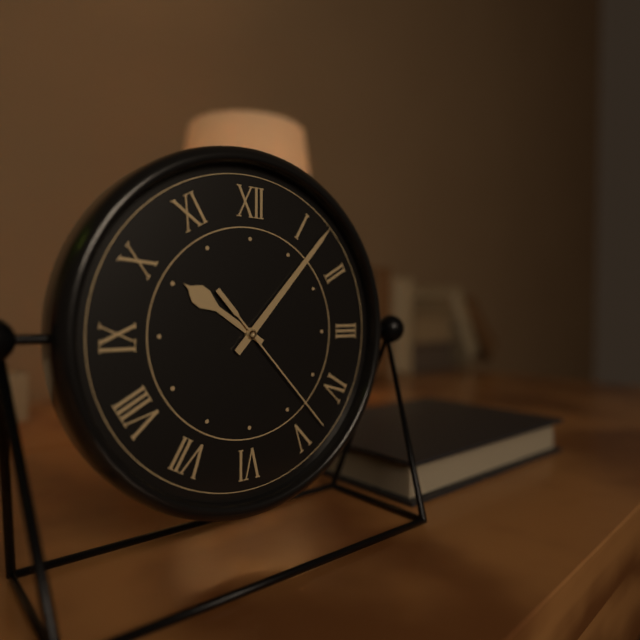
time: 10:07:23
